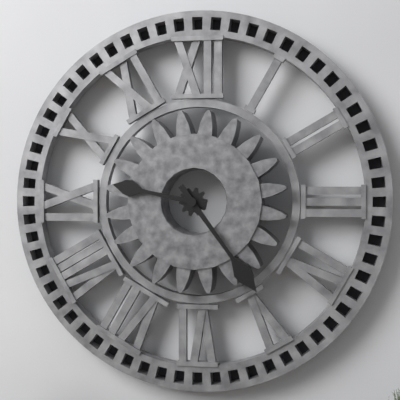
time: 9:24
